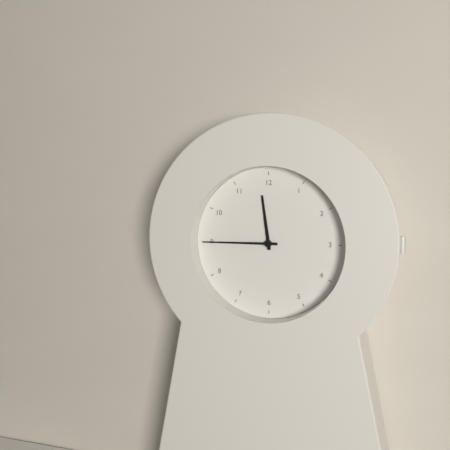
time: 11:45
